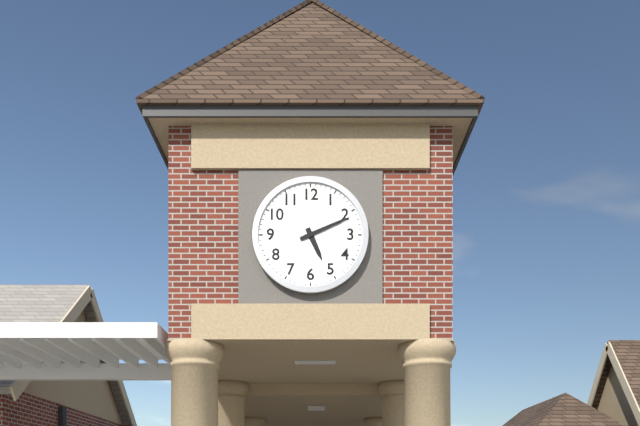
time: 5:11
